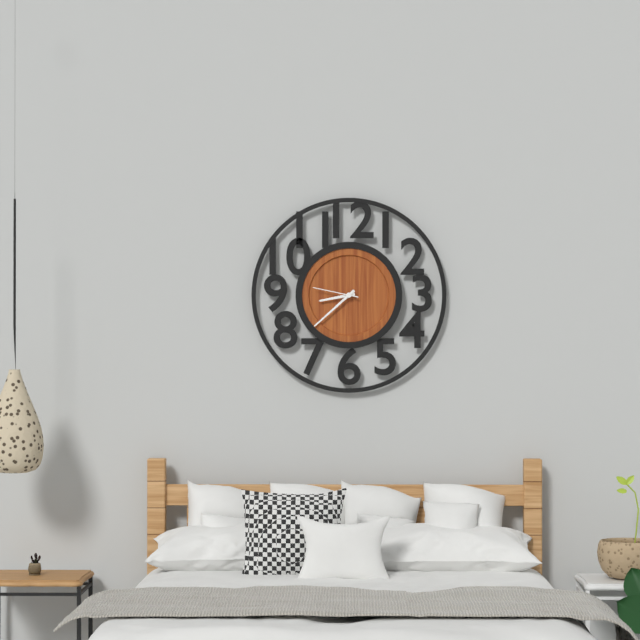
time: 8:38
